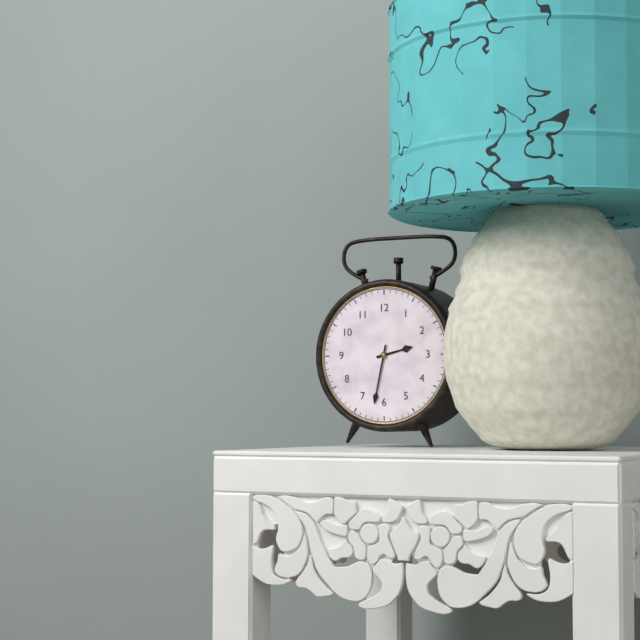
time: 2:32
